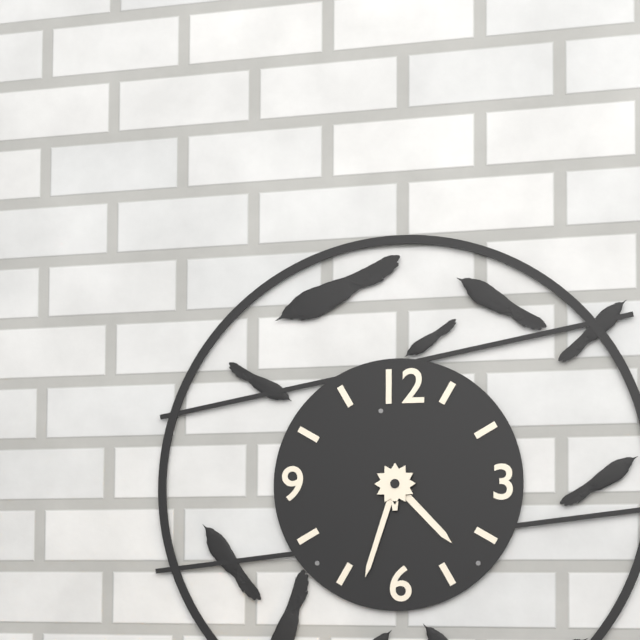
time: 4:33
